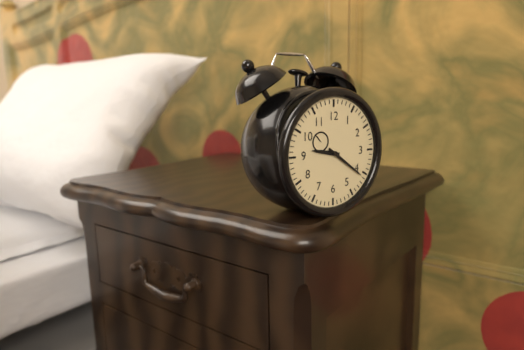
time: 9:21
